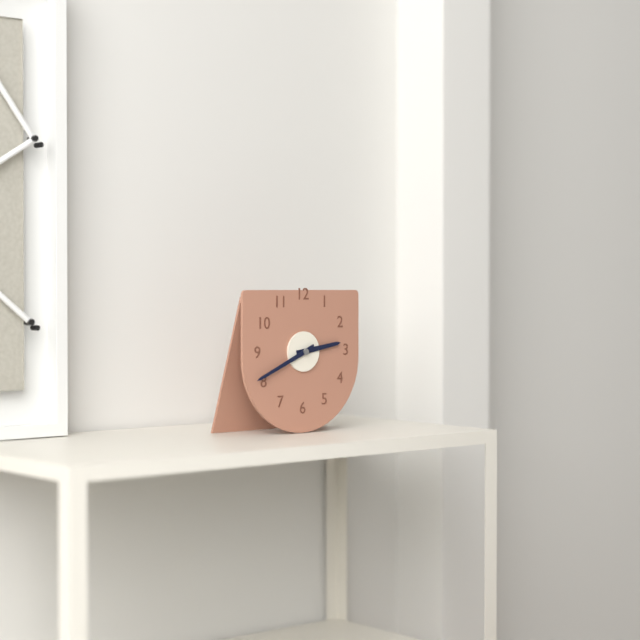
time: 2:41
